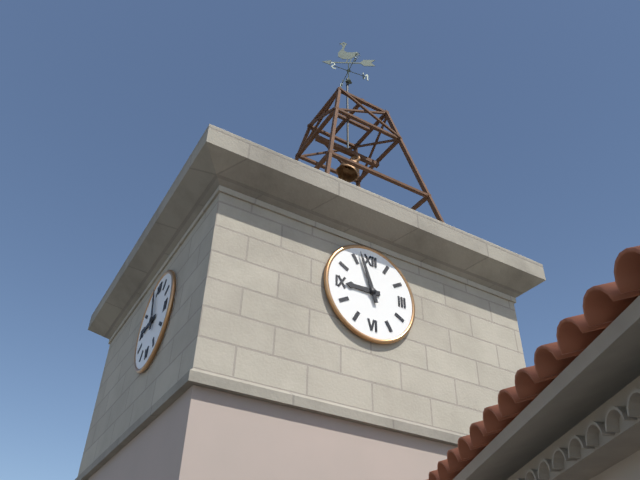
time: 8:57
